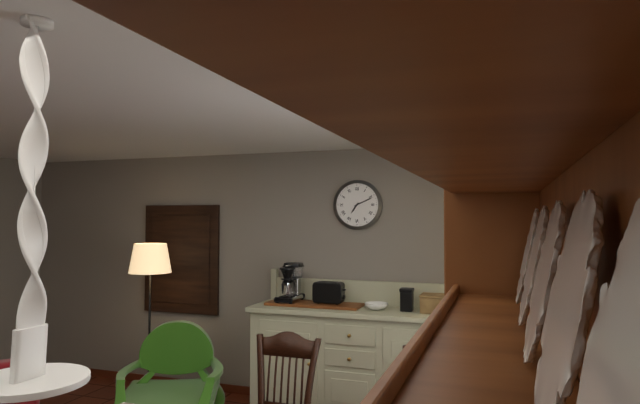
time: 7:11
